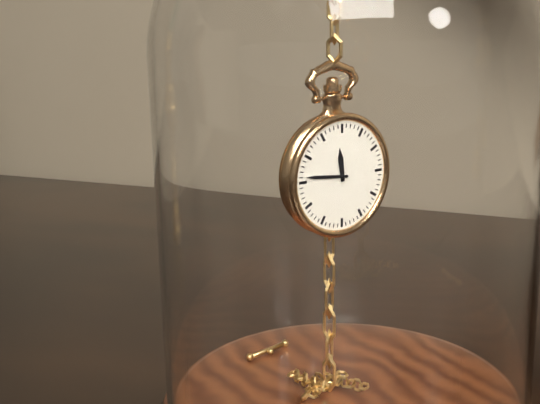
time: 11:46
